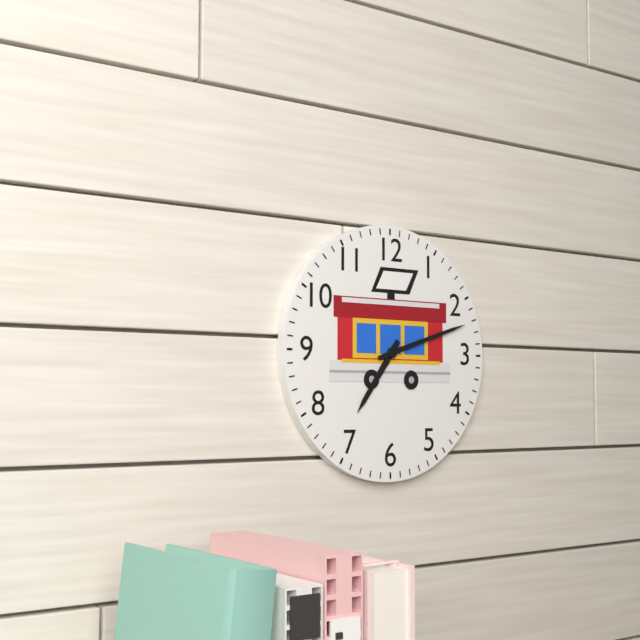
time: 7:12
